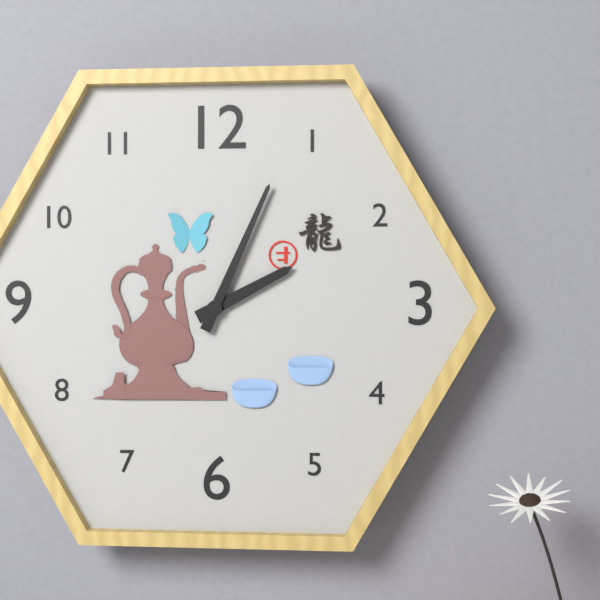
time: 2:04
